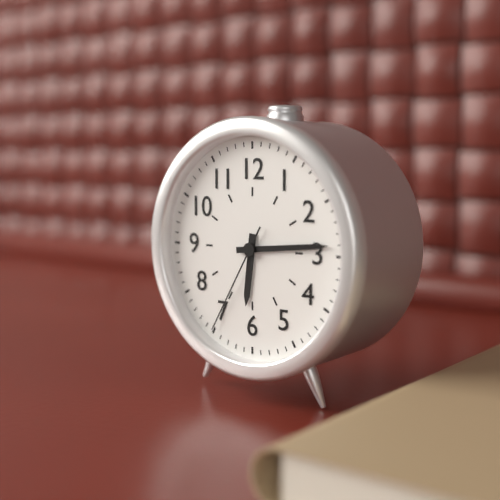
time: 6:14:35
